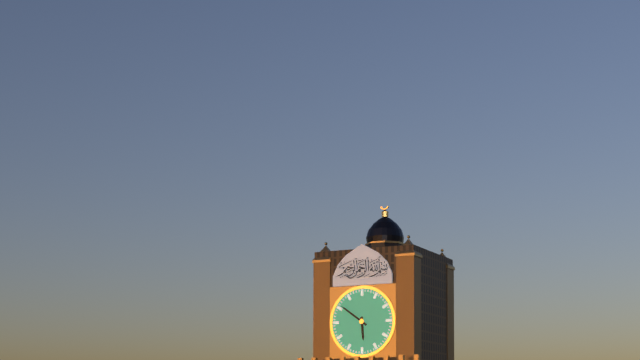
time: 5:51
